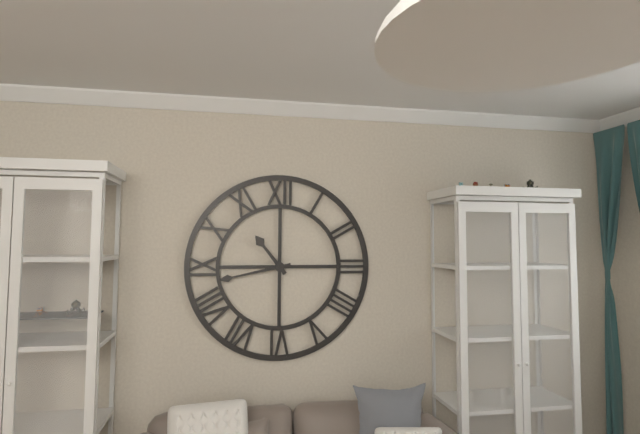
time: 10:43
